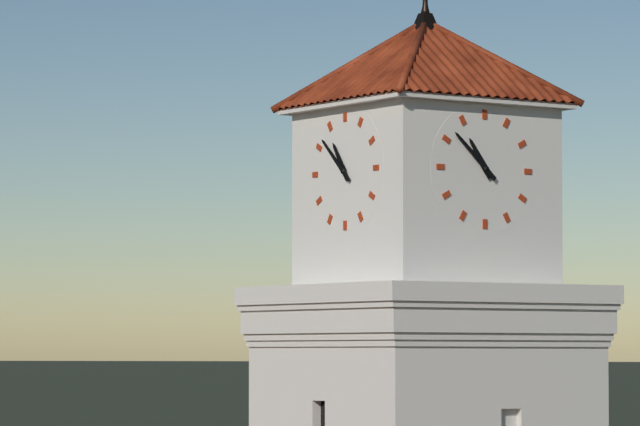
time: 10:52
